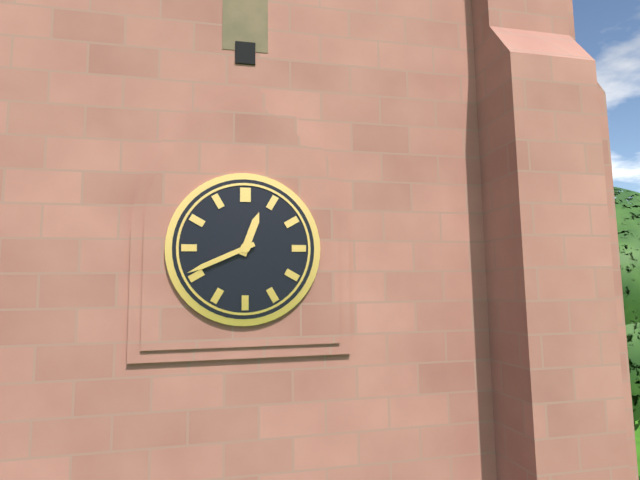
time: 12:41
